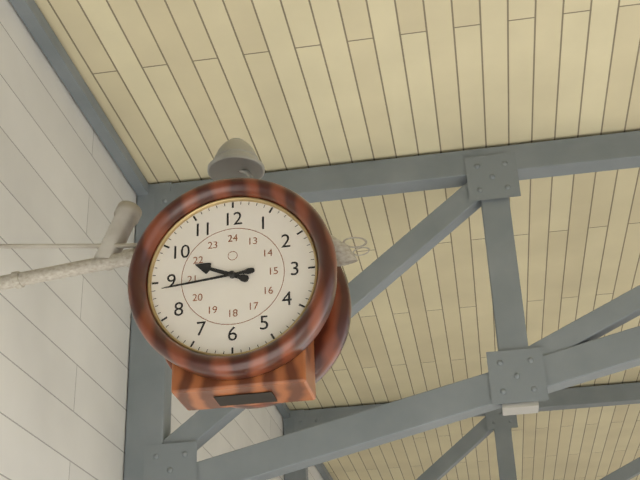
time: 9:44
